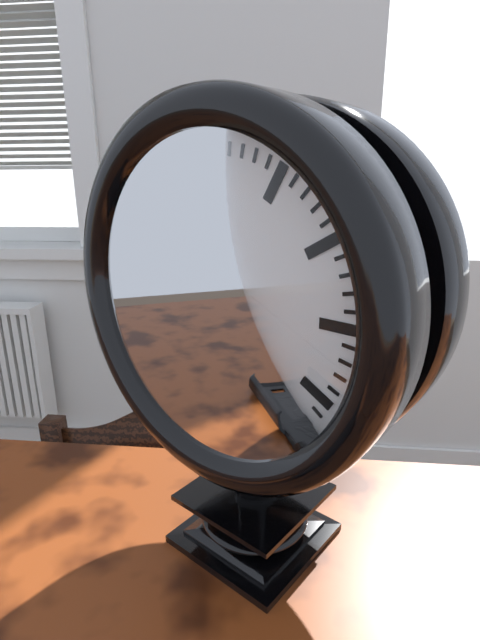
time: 7:55:59
